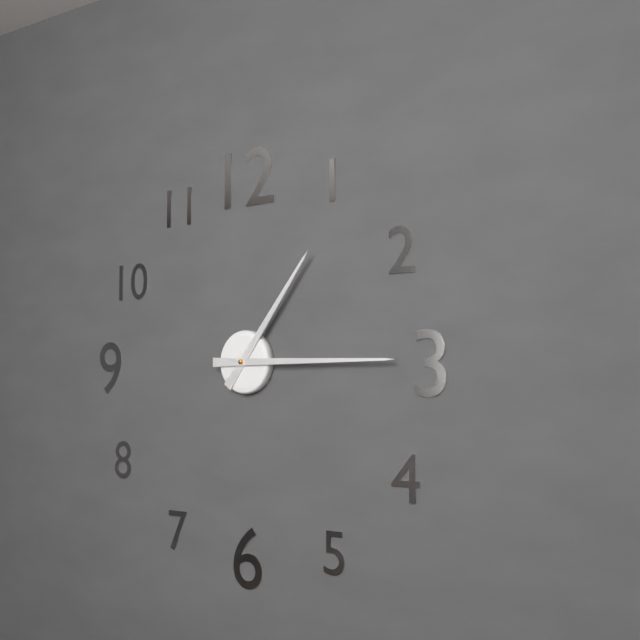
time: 1:15
